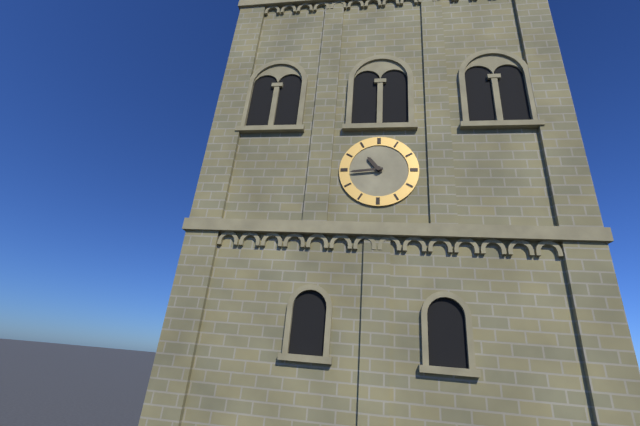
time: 10:44
